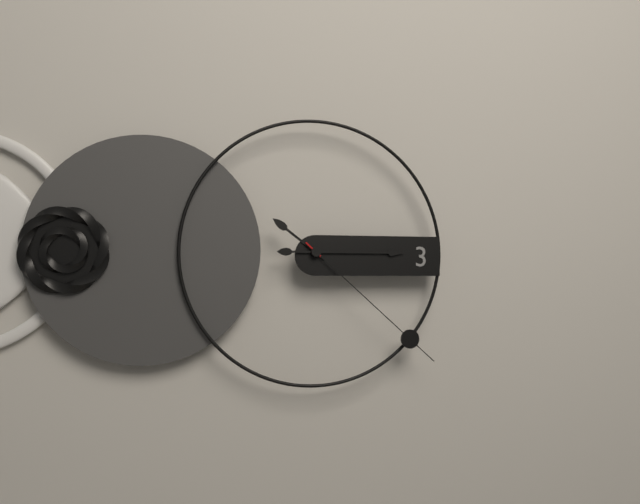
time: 10:15:22
